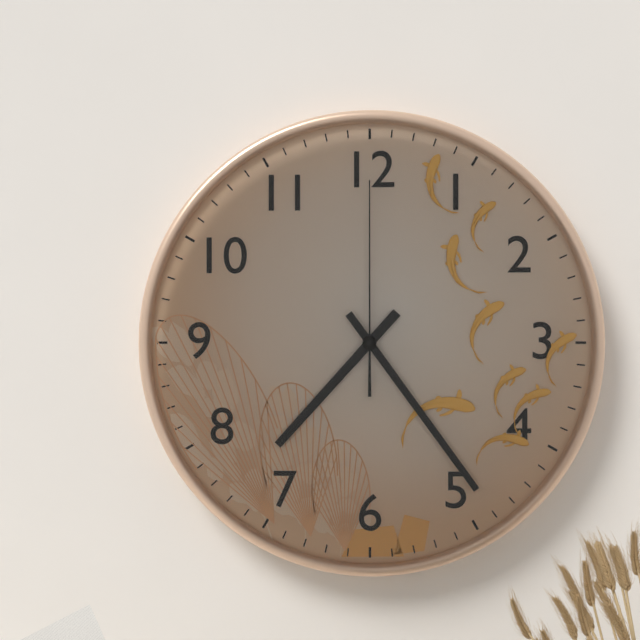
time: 7:24:00
